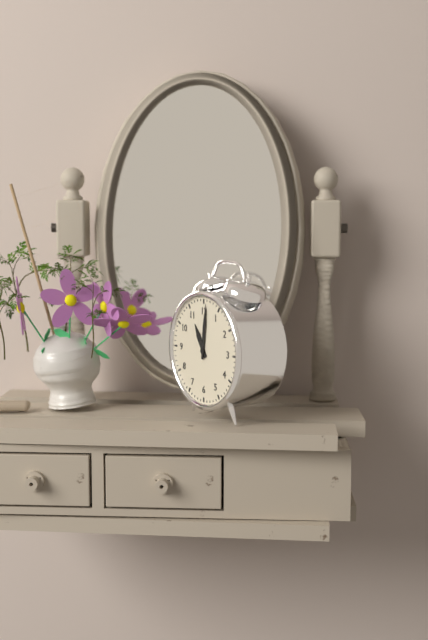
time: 11:01
